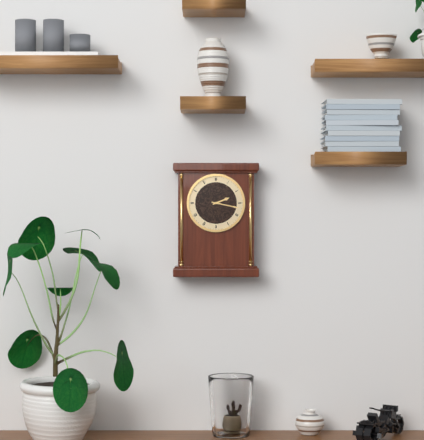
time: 2:17
